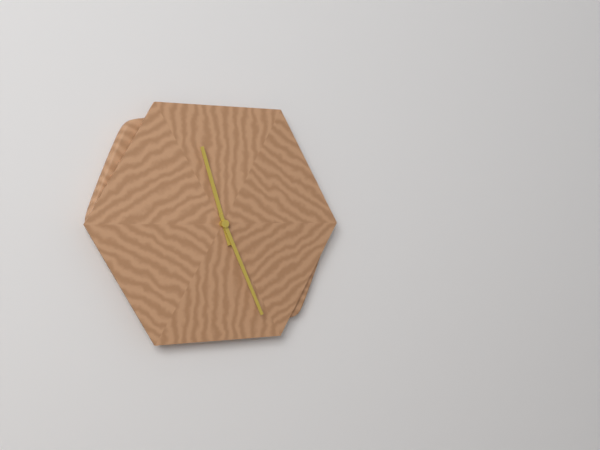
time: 11:26
